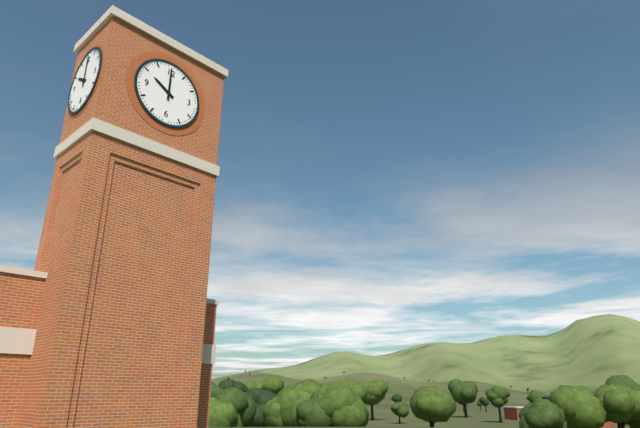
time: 10:00
